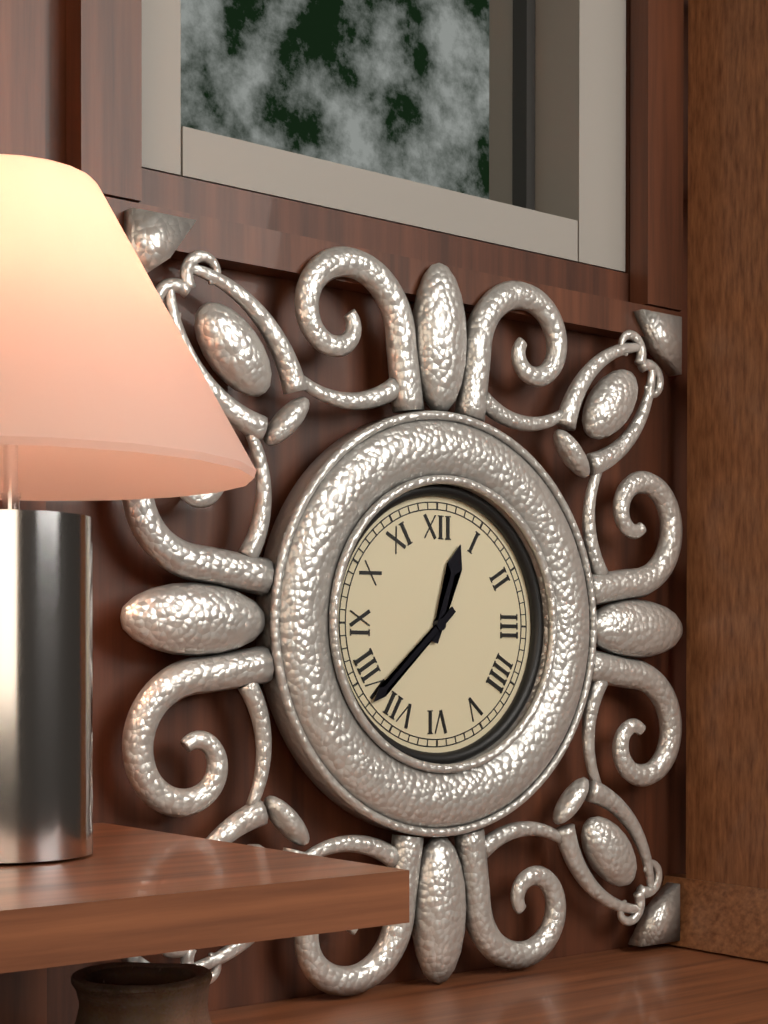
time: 12:38
